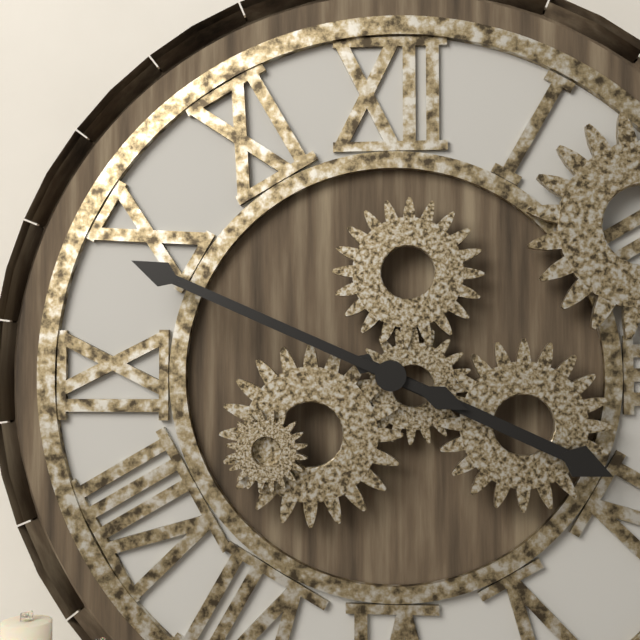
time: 3:49
